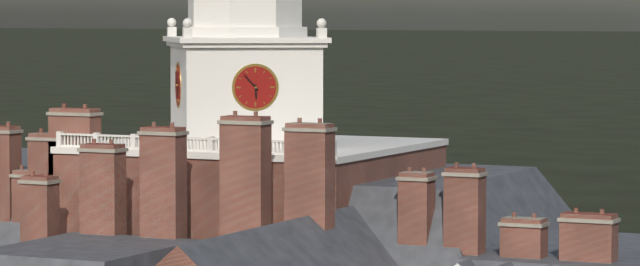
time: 5:53
